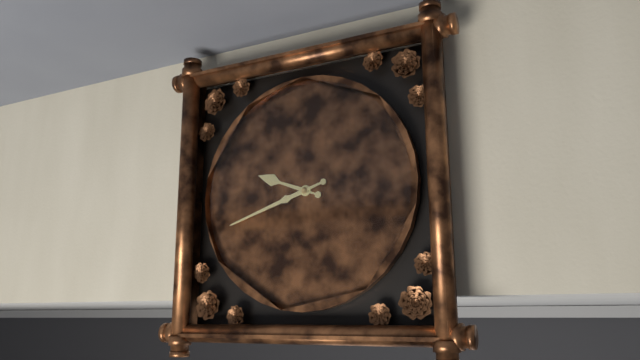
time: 9:42
